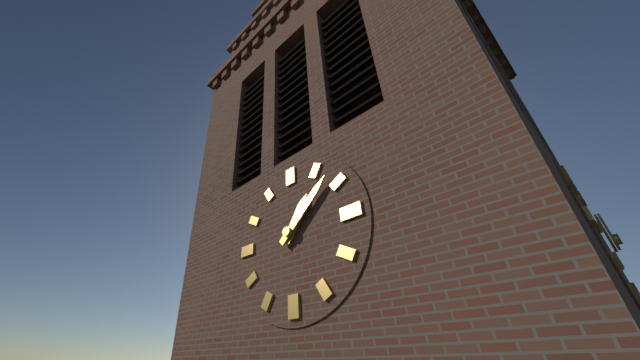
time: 1:08
